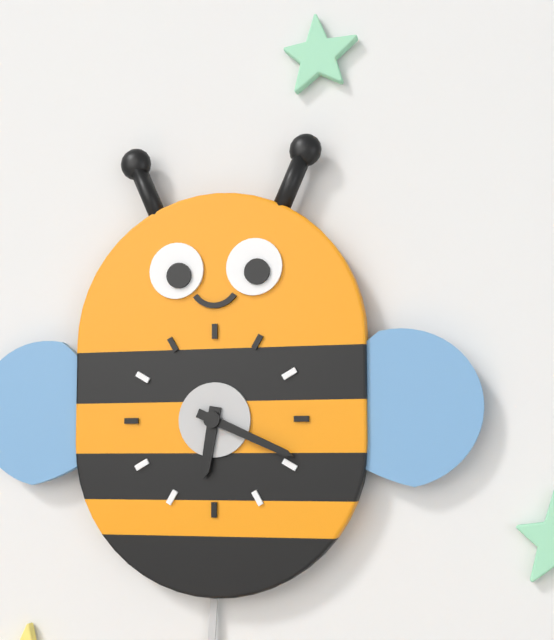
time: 6:19
